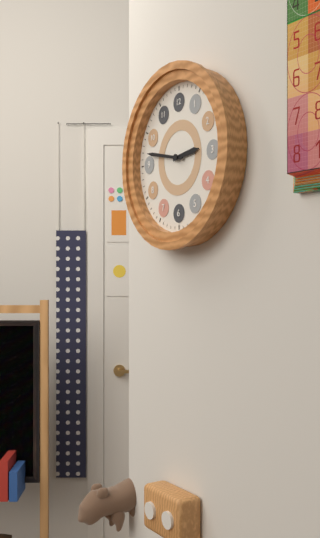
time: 2:47
